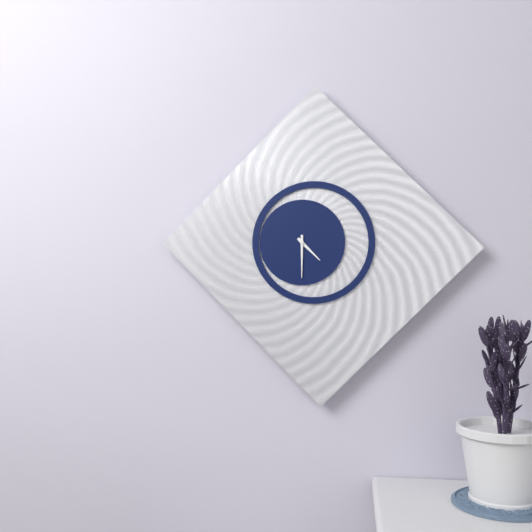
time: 4:30
